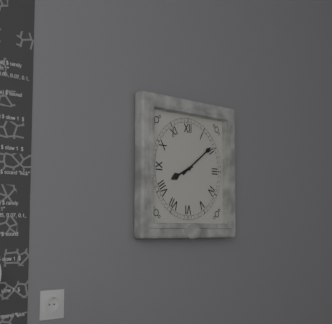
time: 8:09
